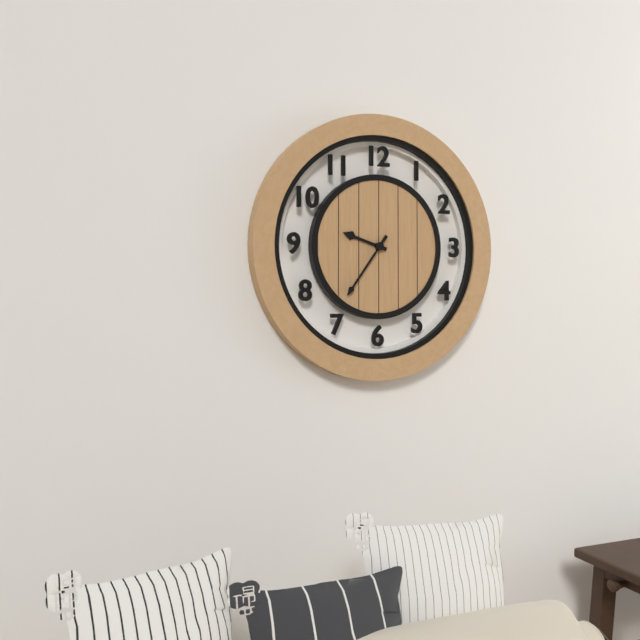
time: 9:36
